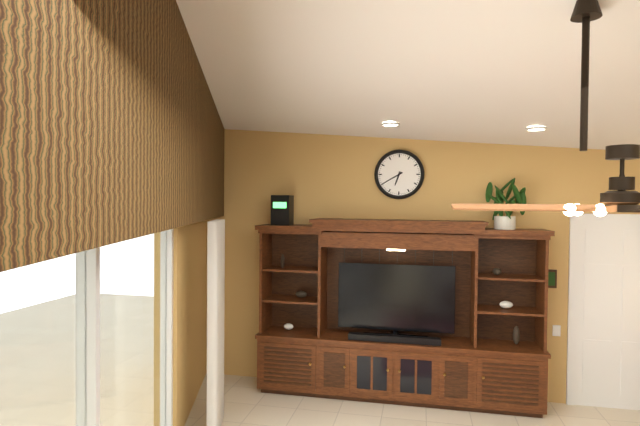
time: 6:40
